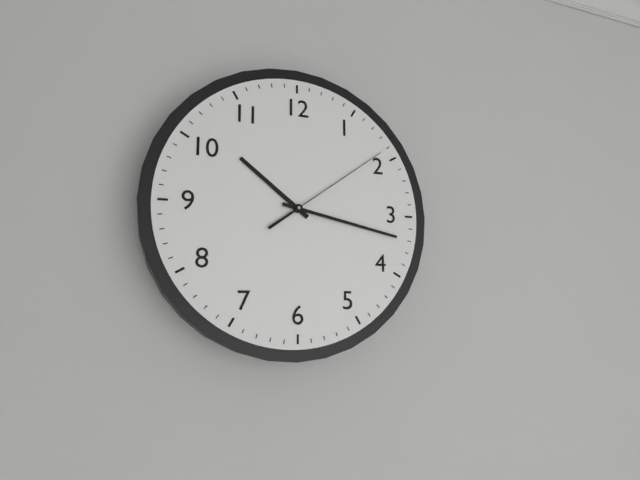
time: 10:17:09
